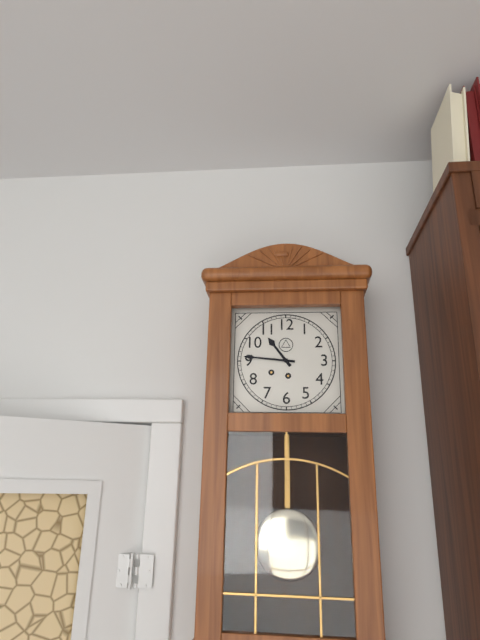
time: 10:46
